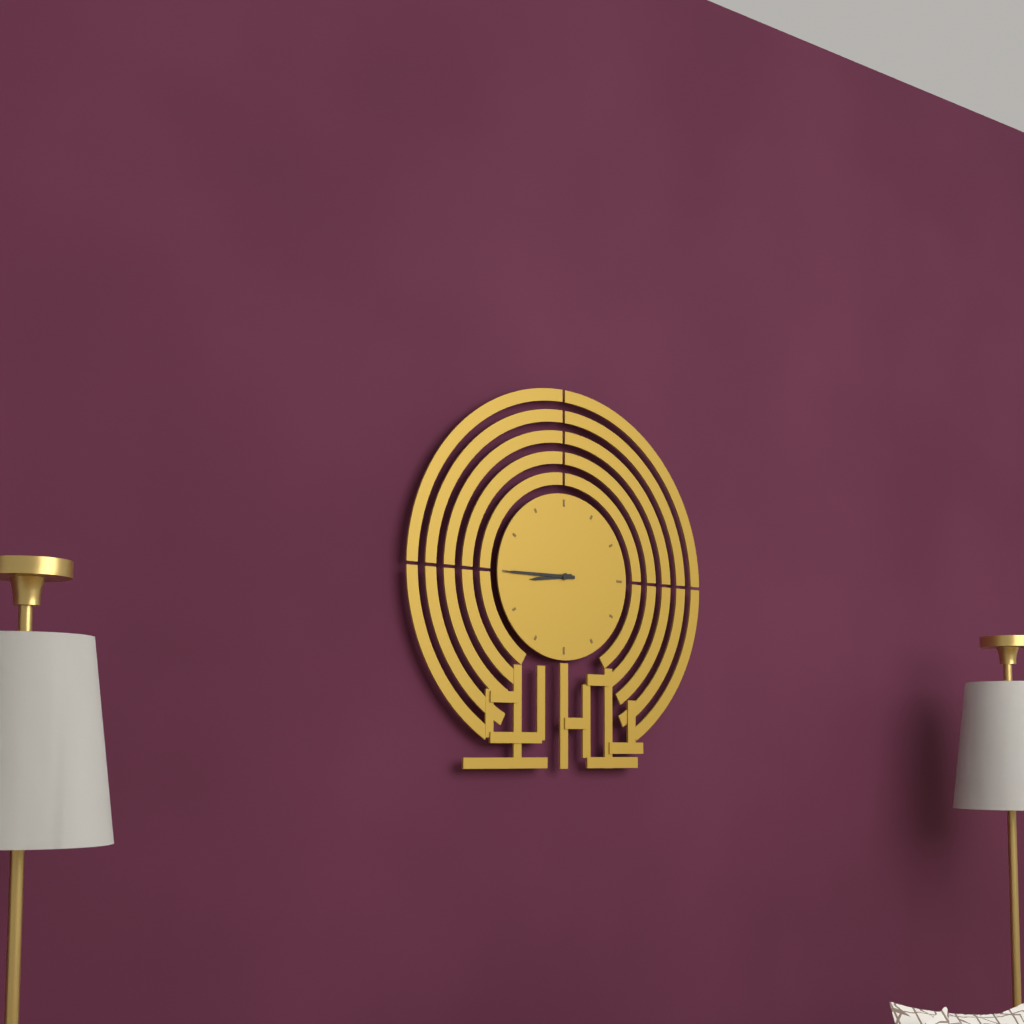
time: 8:45
